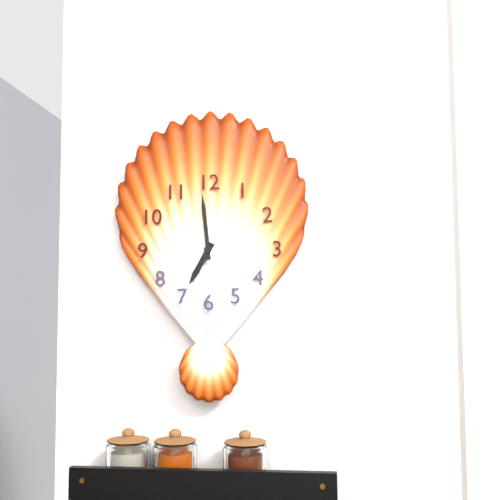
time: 6:59
